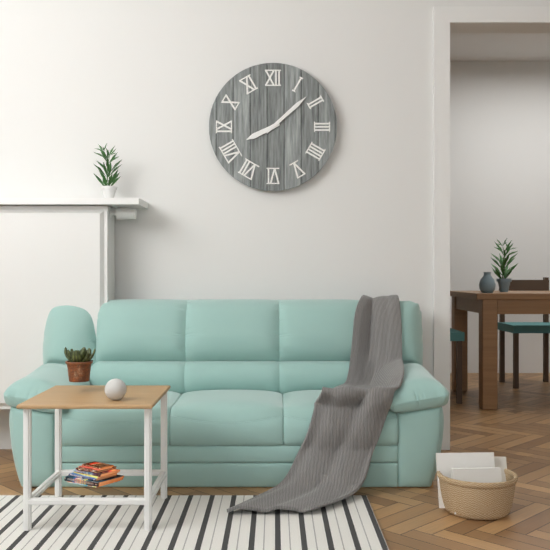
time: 8:08
